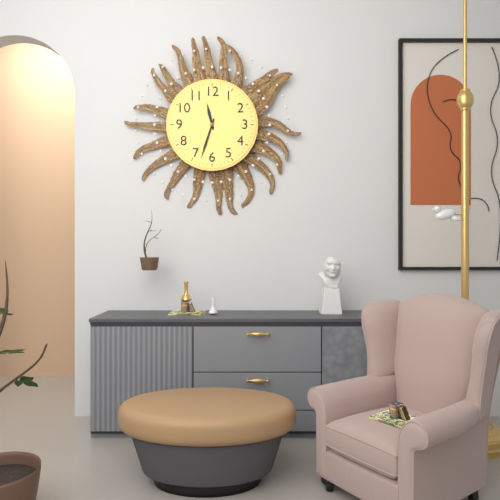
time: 11:33
